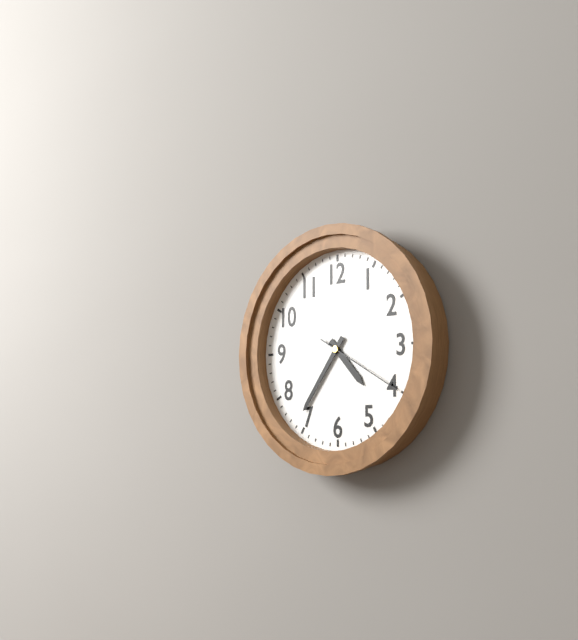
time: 4:36:20
